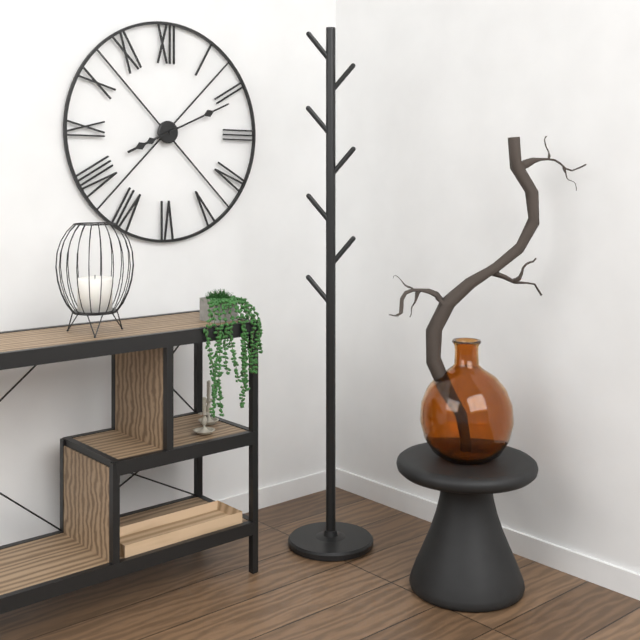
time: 8:11
